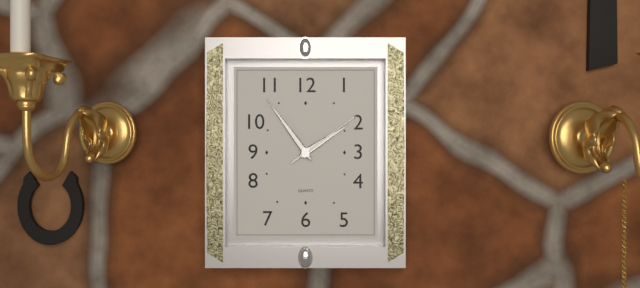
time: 1:54:09
